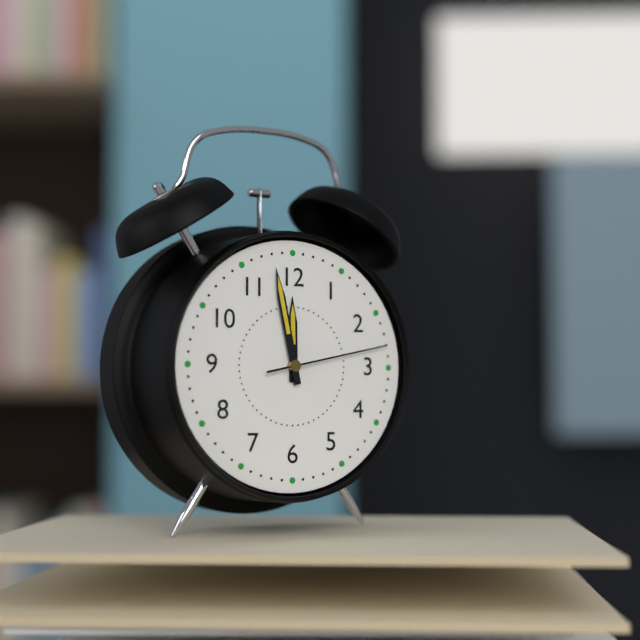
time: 11:58:13
